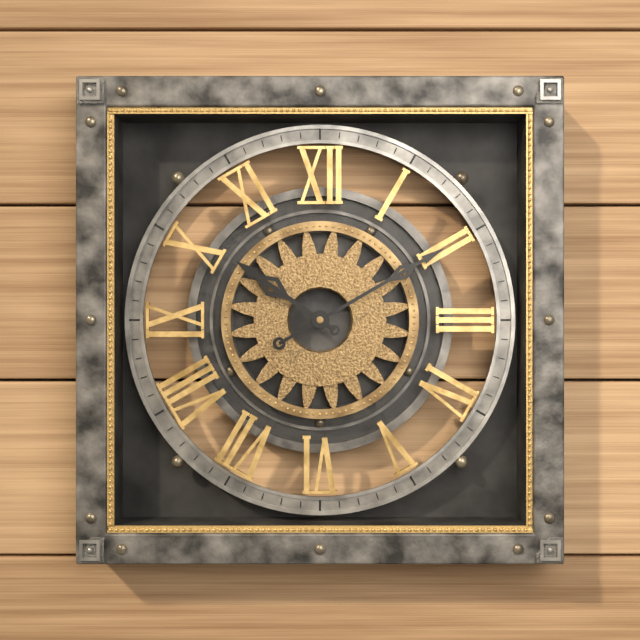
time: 10:10
